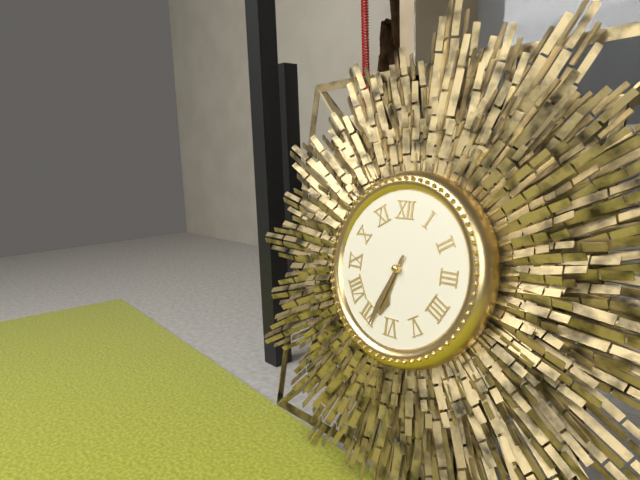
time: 6:34
